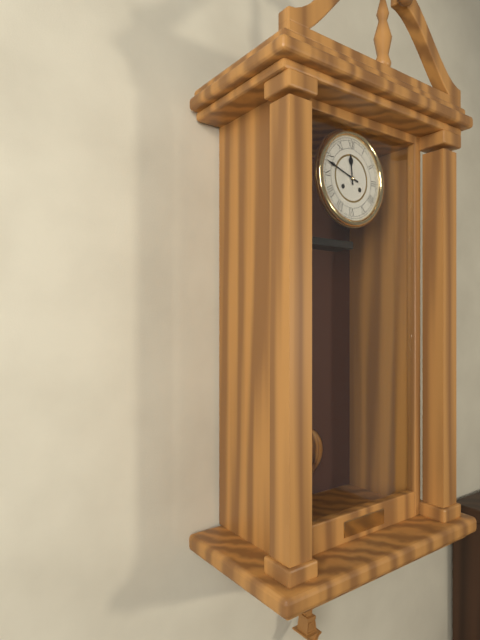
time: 11:48
